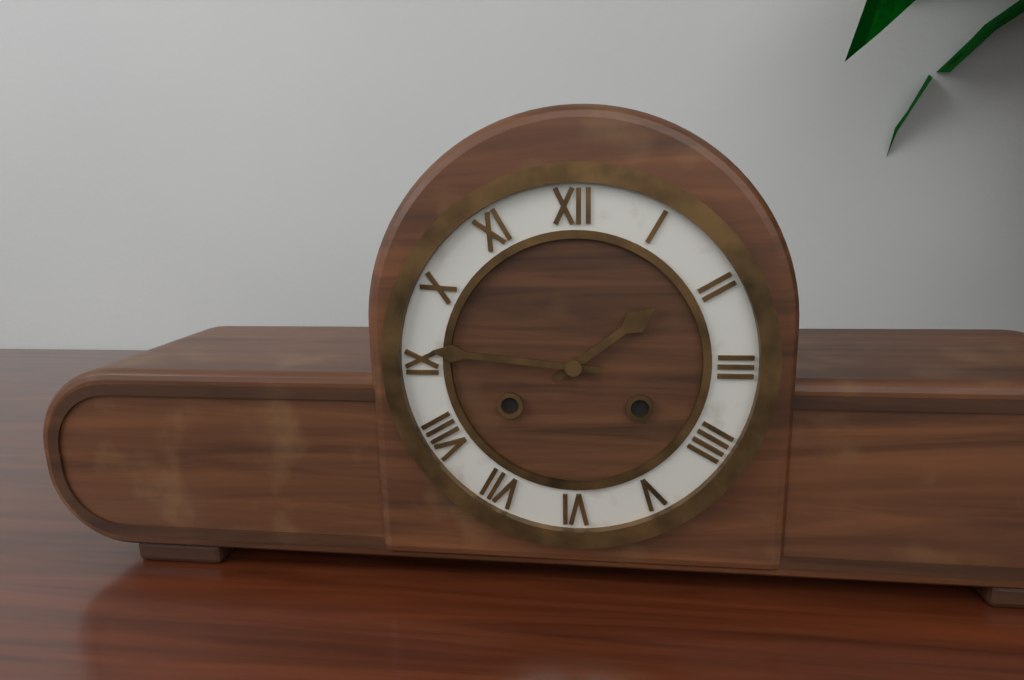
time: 1:46
